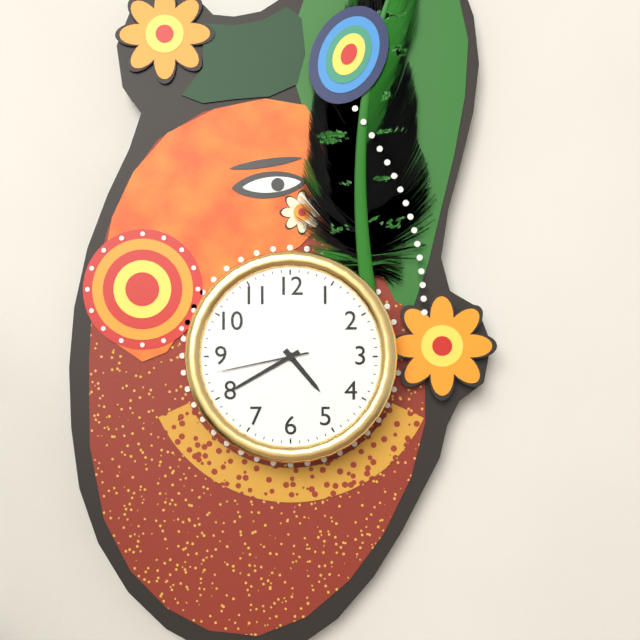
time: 4:40:43
